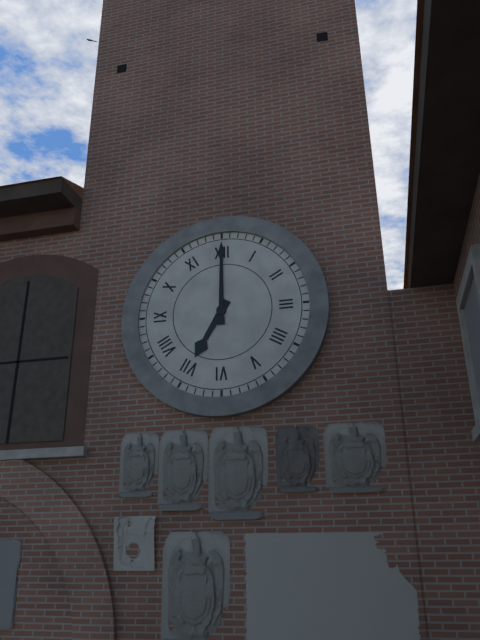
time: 7:00
